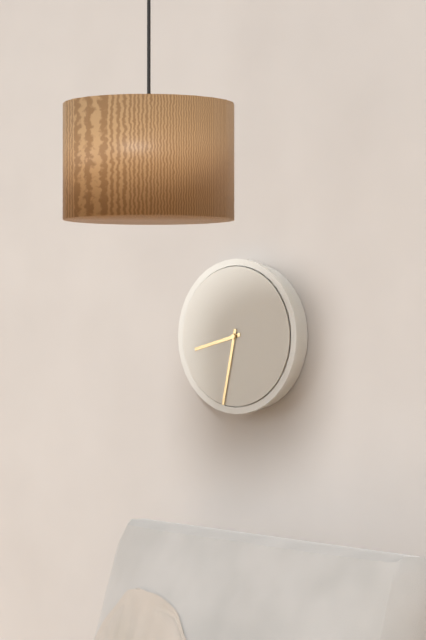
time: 8:32
